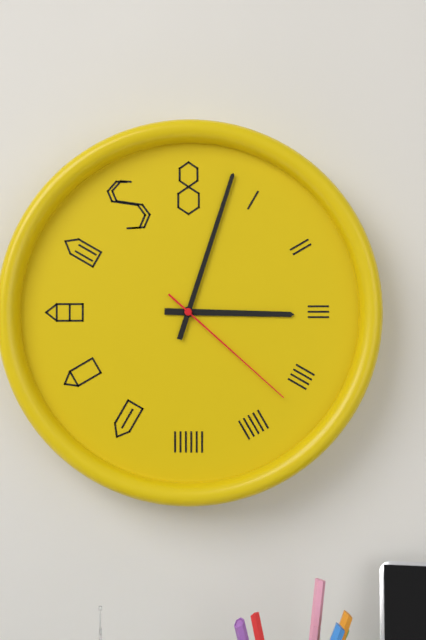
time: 3:03:22
